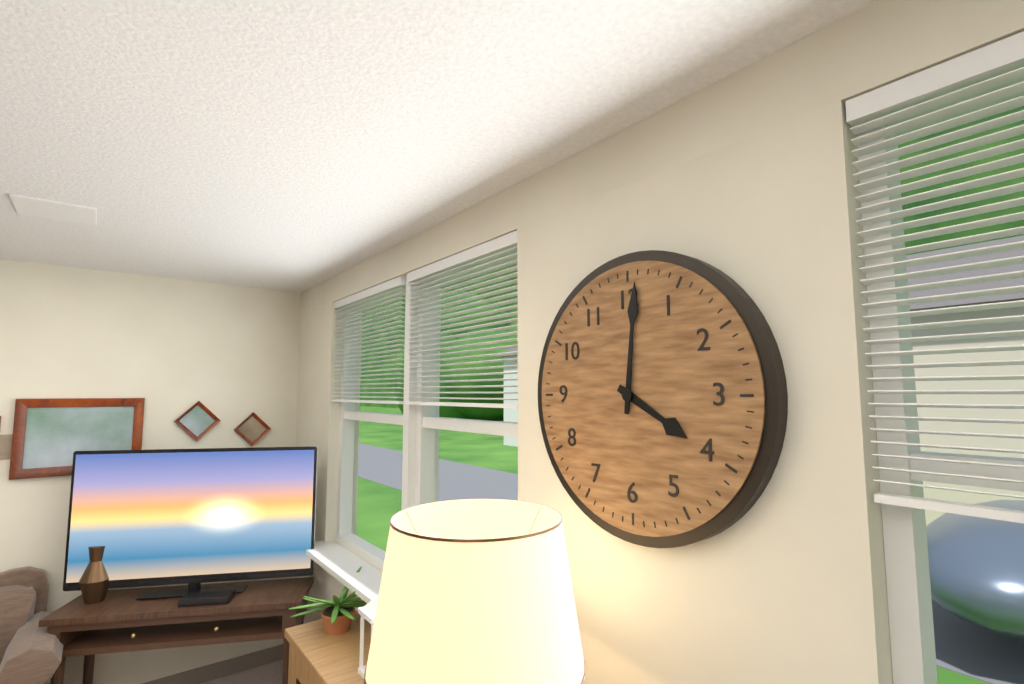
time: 4:01
